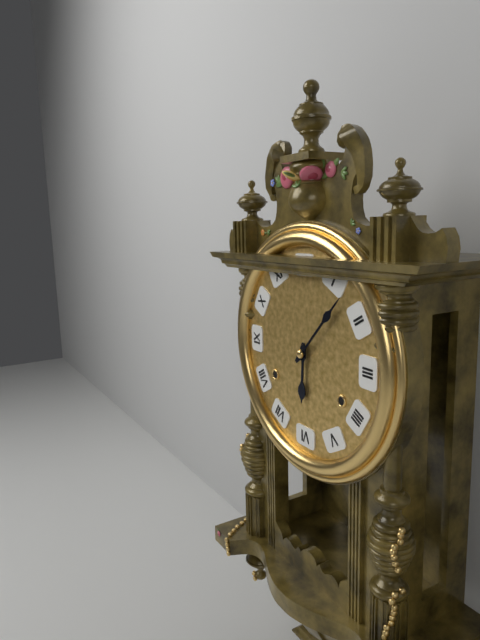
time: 6:07
